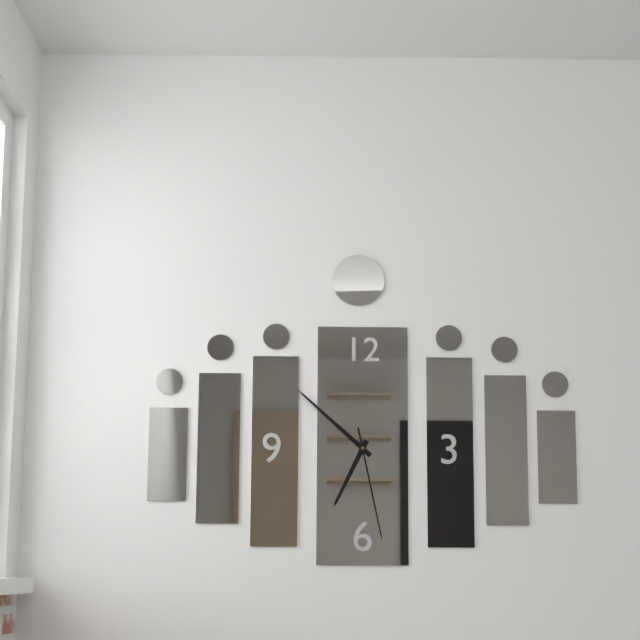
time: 6:52:28
